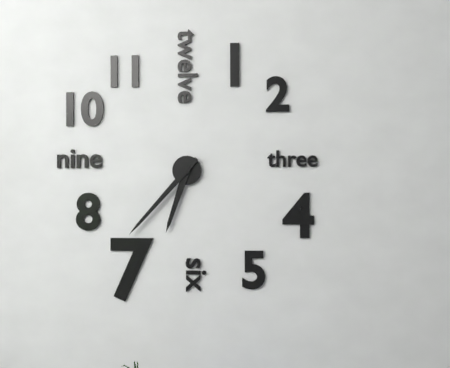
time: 6:37
